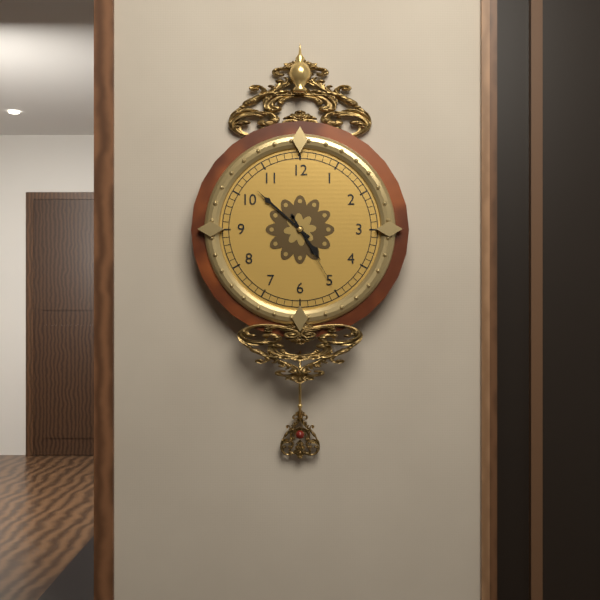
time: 4:52:25
